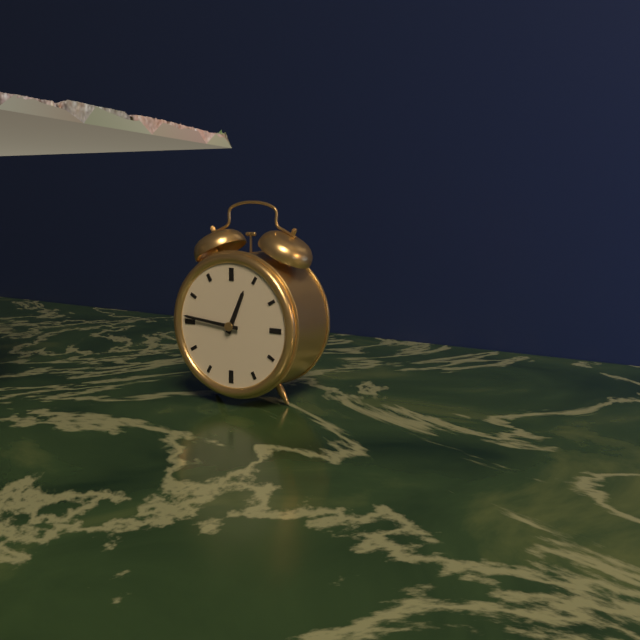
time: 12:46
